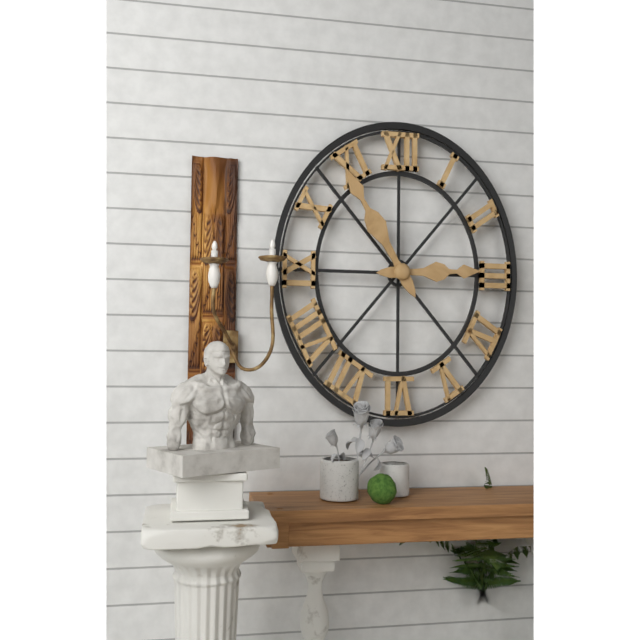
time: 2:55
